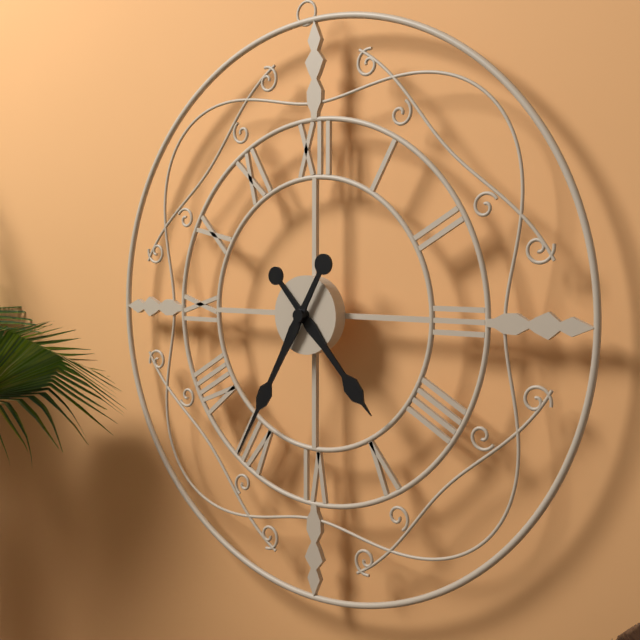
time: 4:35
